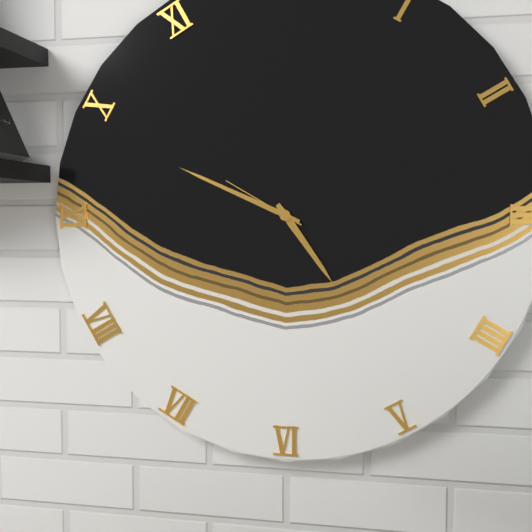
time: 4:49:50
